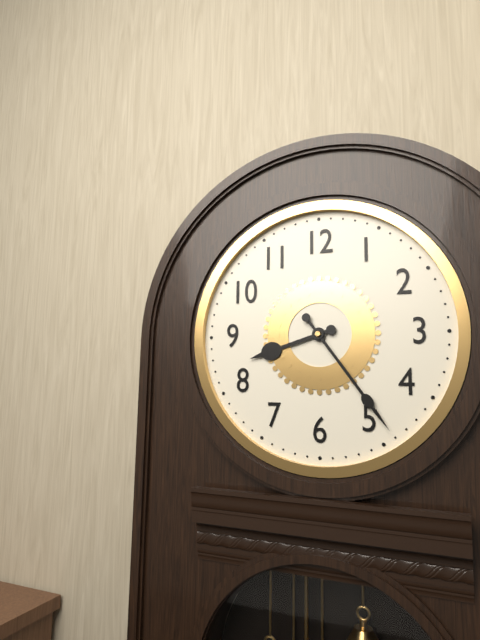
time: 8:24
